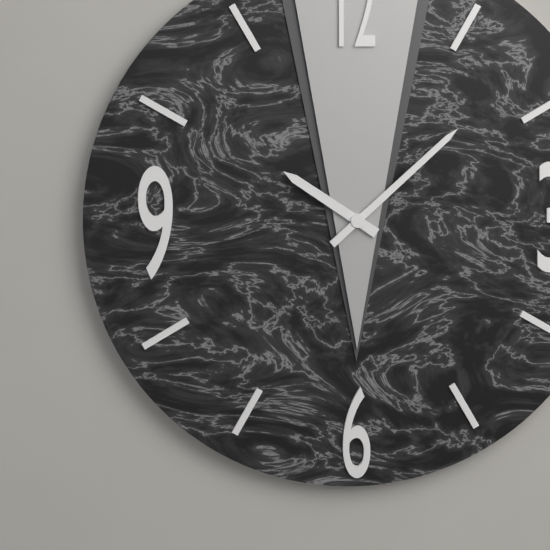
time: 10:08
